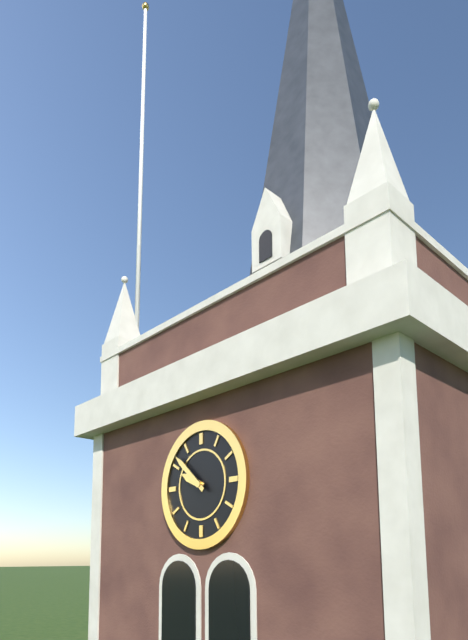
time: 9:52
